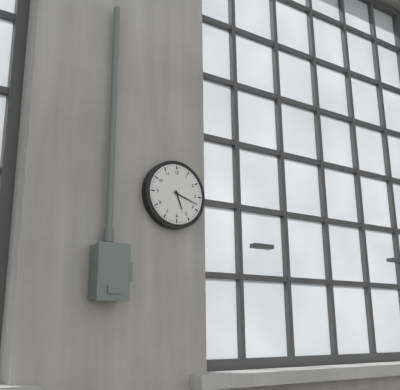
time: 5:18
